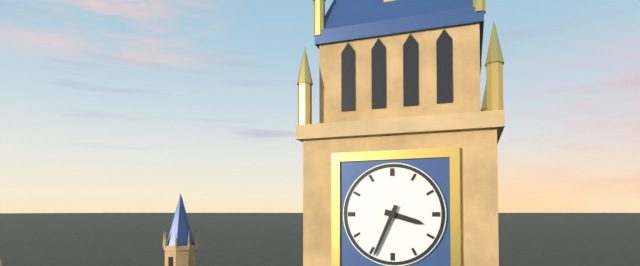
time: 3:34
